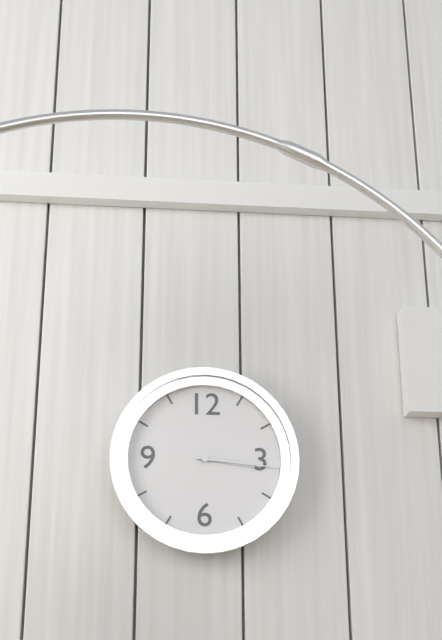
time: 3:16
